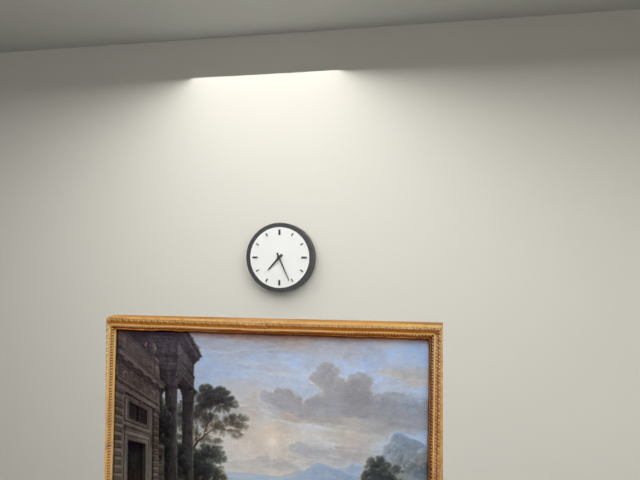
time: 7:26
